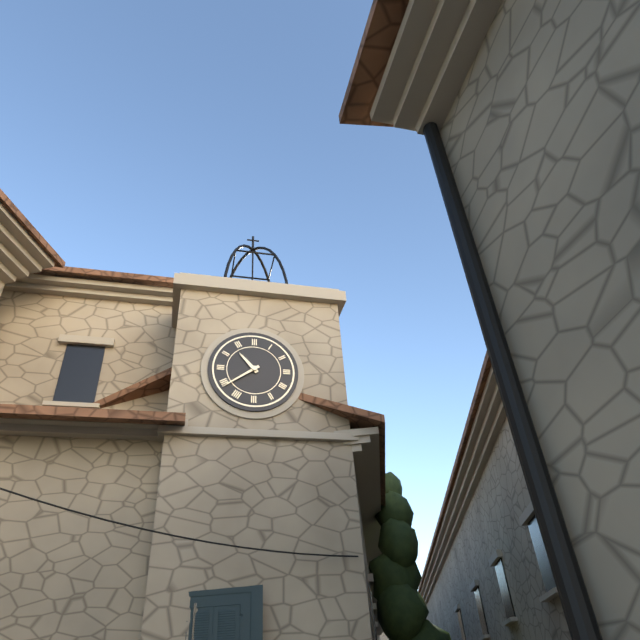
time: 10:39
